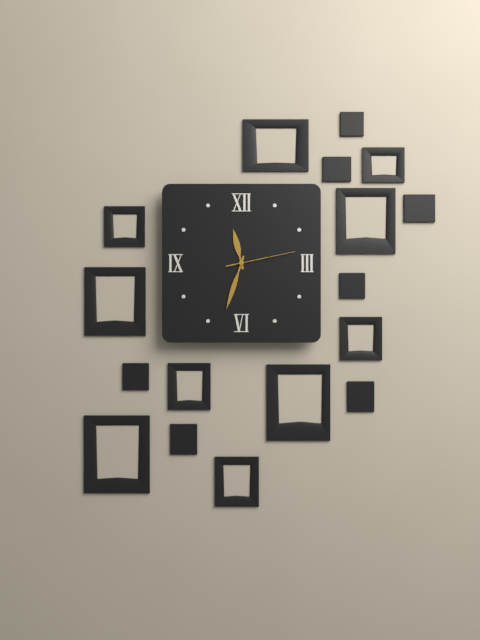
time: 11:33:13
